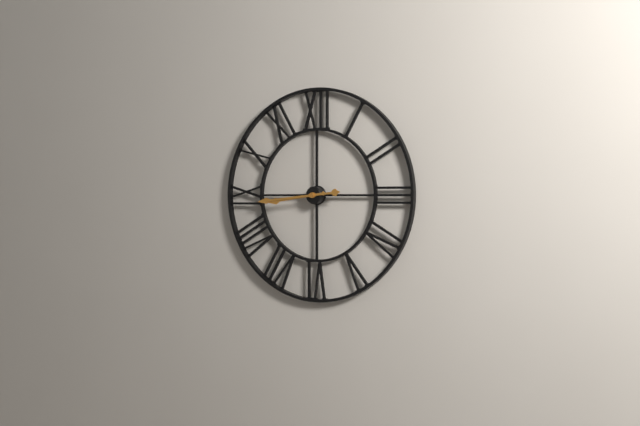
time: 8:44
